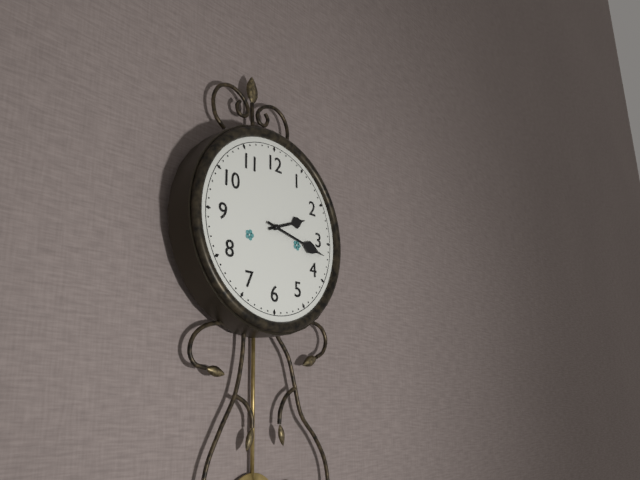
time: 2:17
